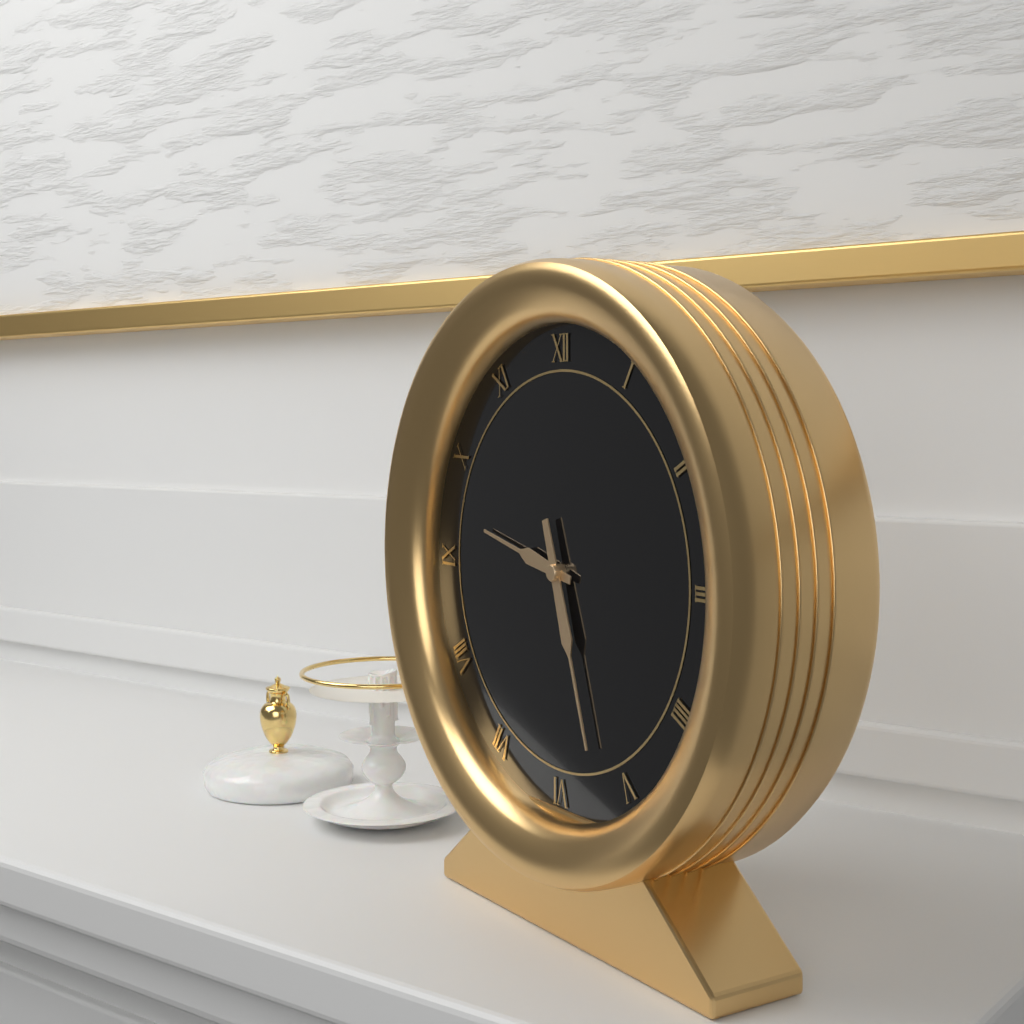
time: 9:27
